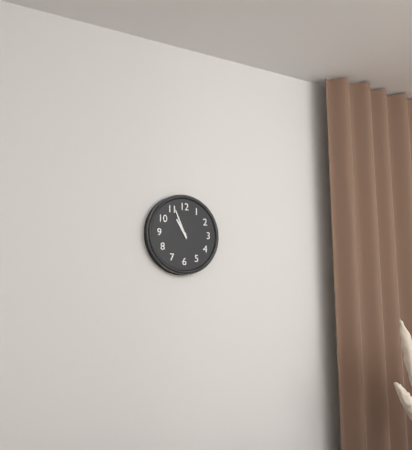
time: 10:56
